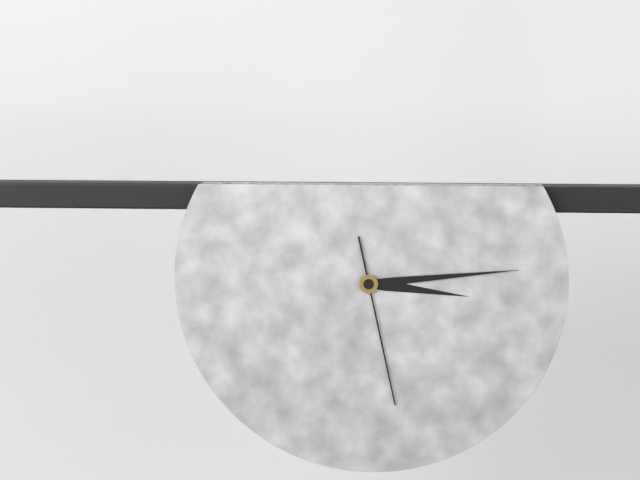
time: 3:14:28
